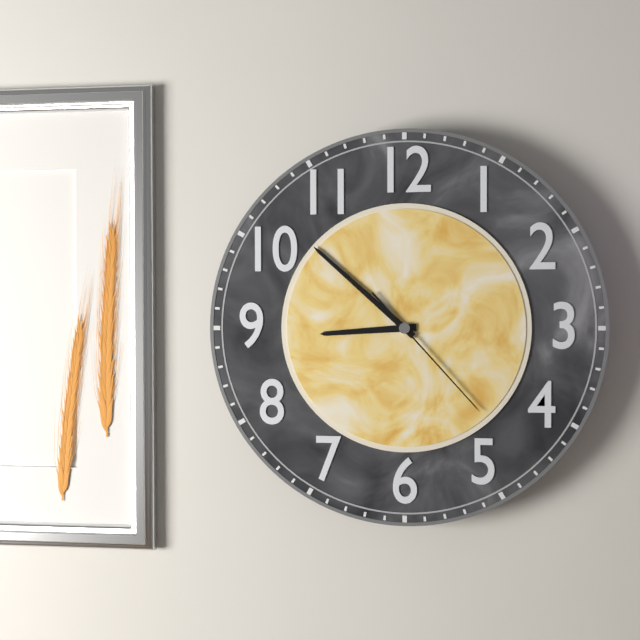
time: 8:52:23
